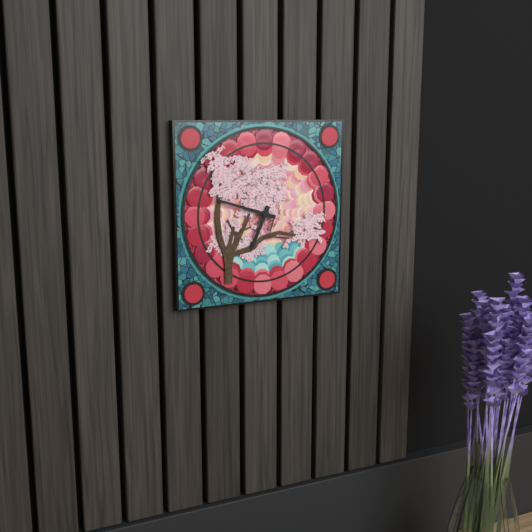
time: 6:48
